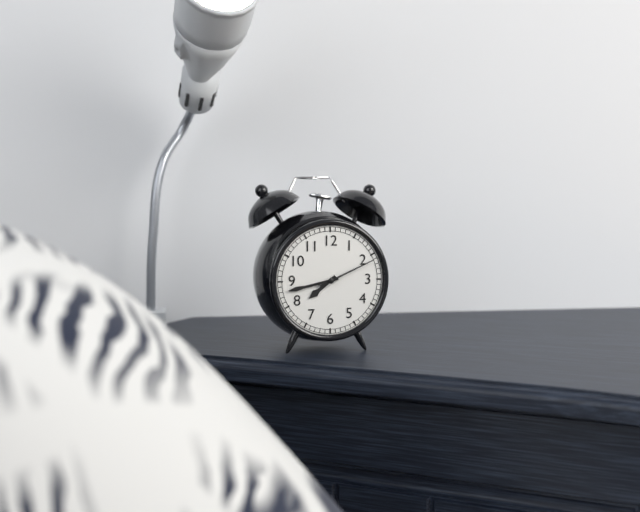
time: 7:43:11
